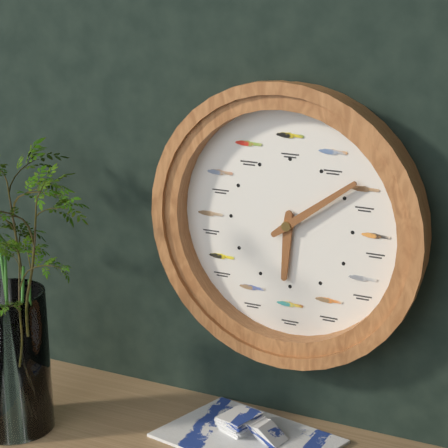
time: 6:09
